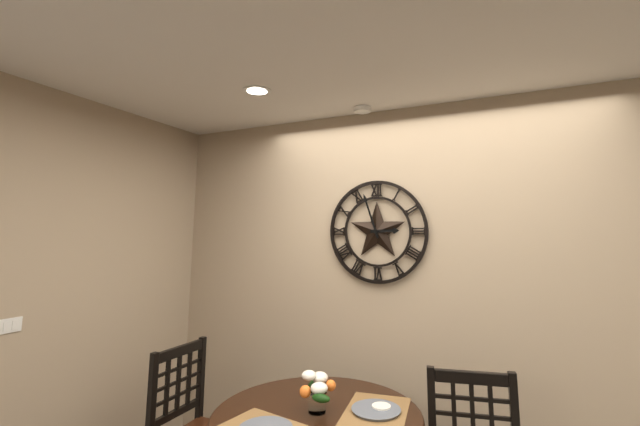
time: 2:57
